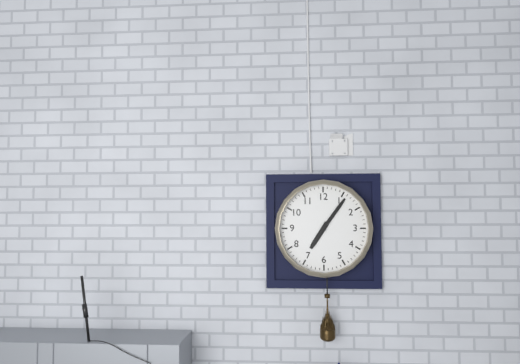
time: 7:06
